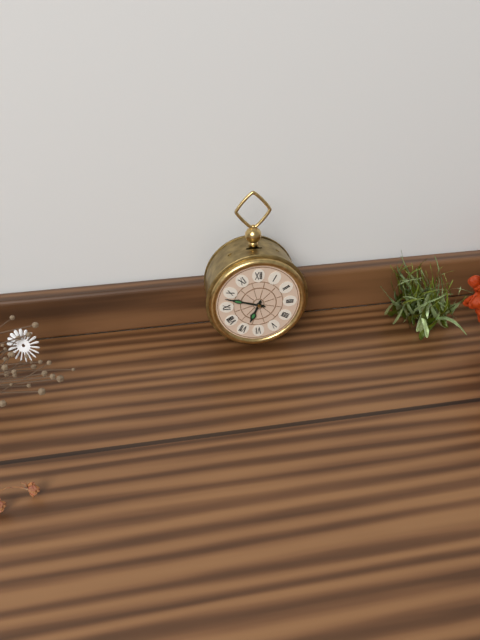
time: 6:48
